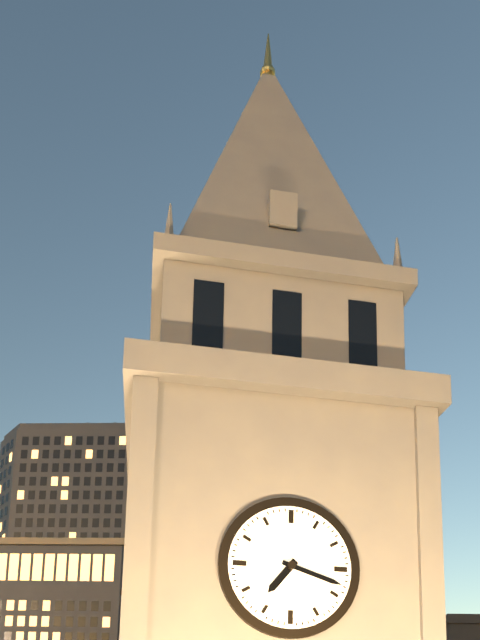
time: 7:18
